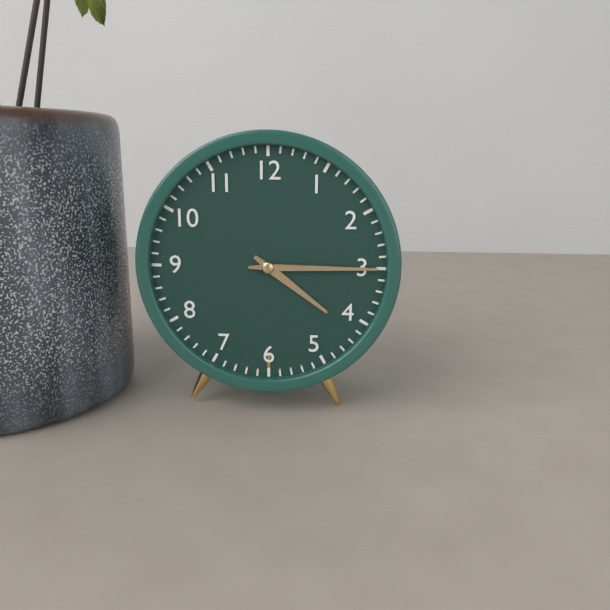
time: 4:15
